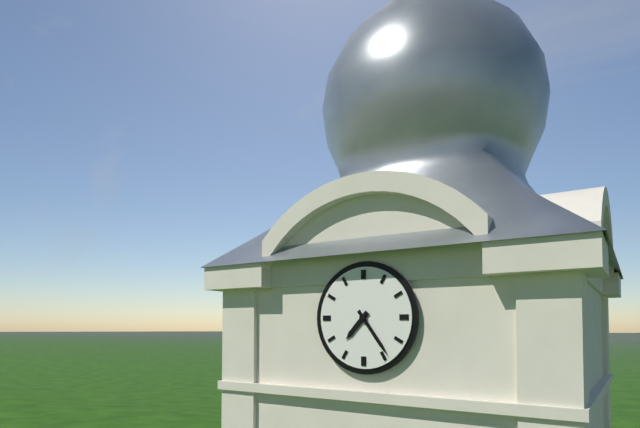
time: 7:24
